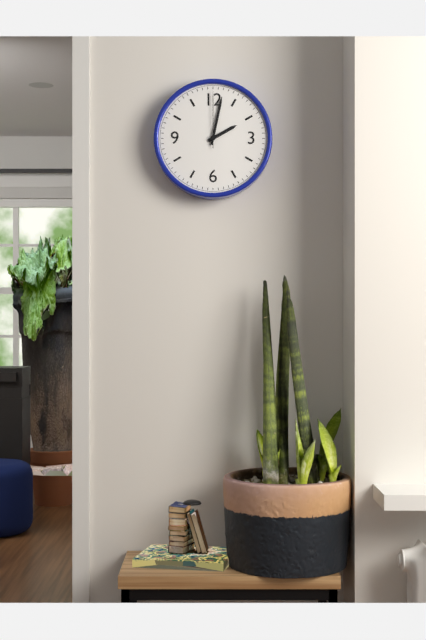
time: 2:02:00
